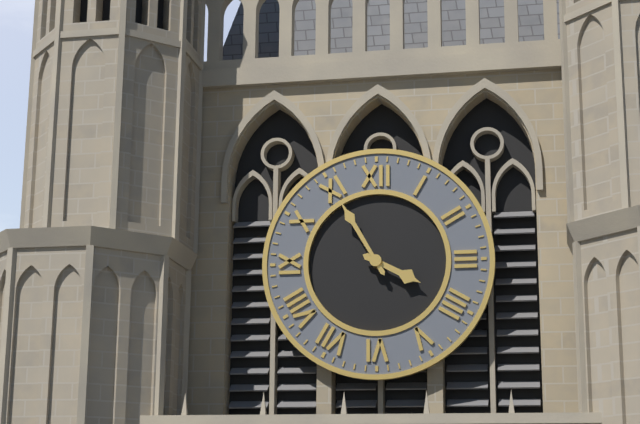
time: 3:55
